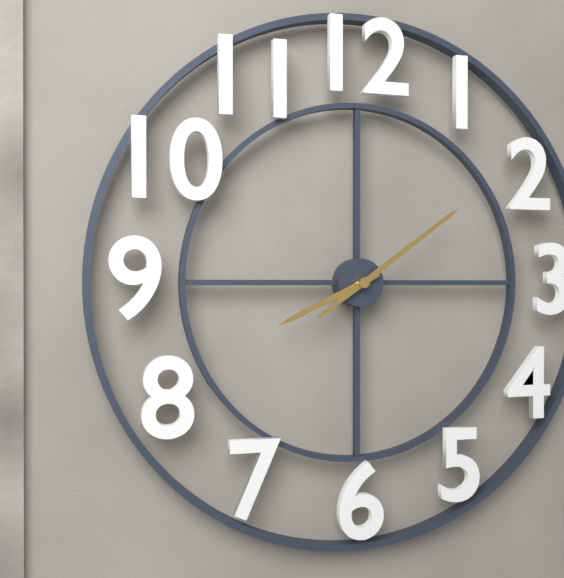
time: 8:09
